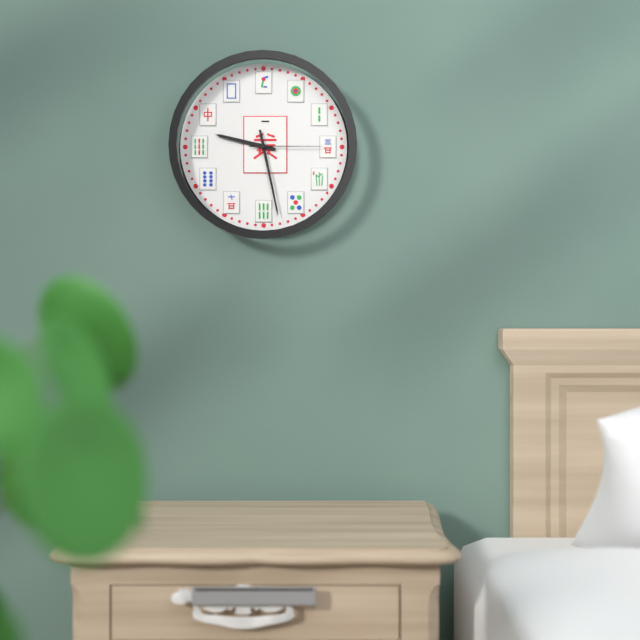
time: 9:28:15
